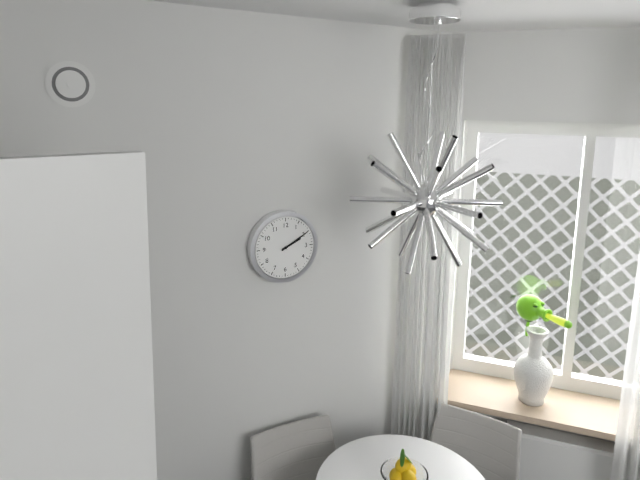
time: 2:10
